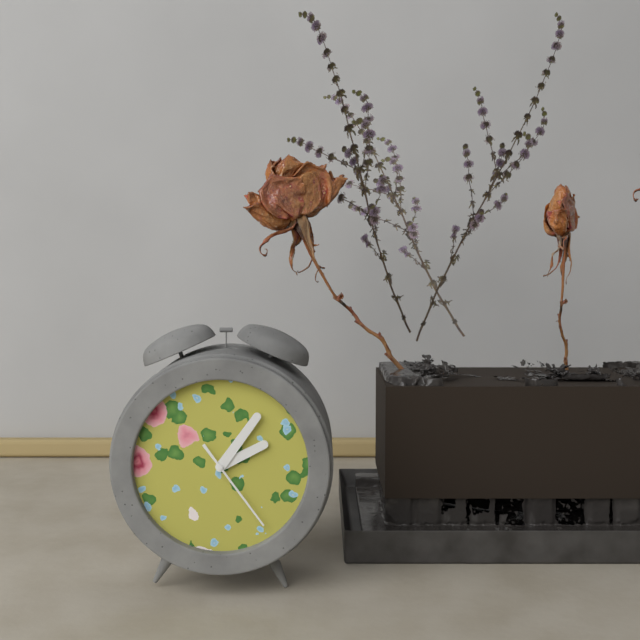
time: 2:06:24
